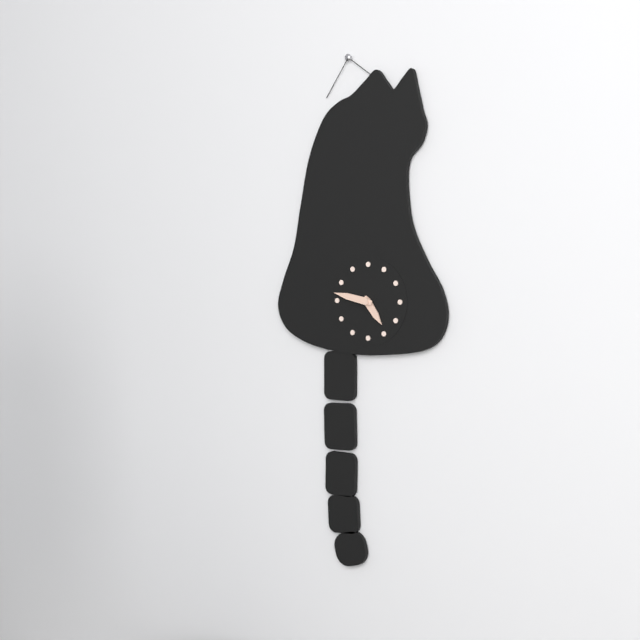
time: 4:47
